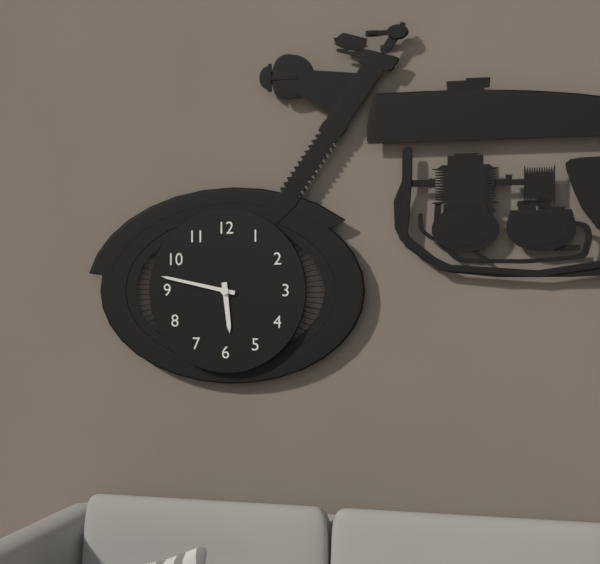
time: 5:47
